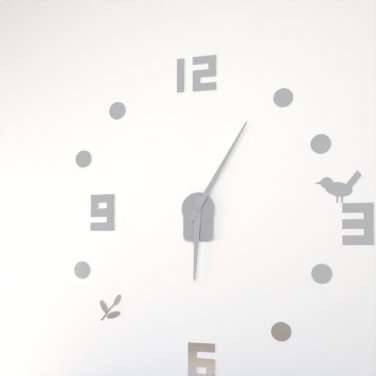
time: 6:05
